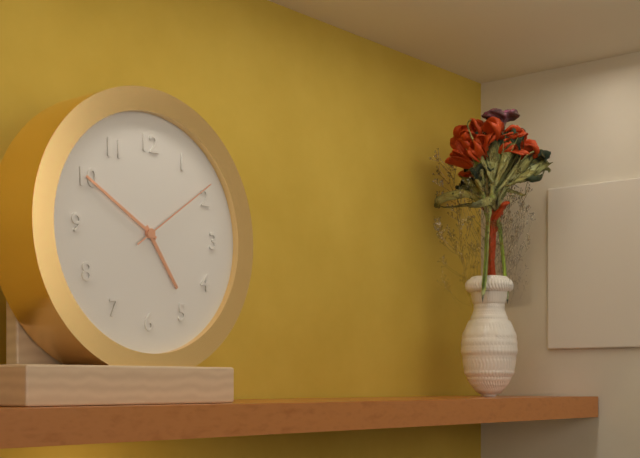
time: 4:50:09
